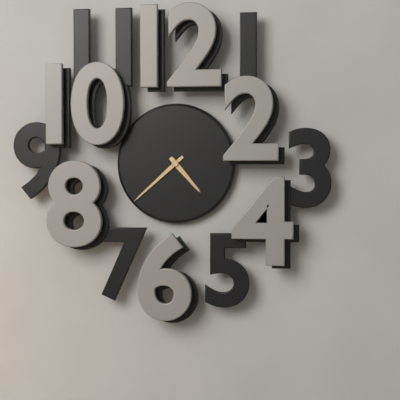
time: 4:38
